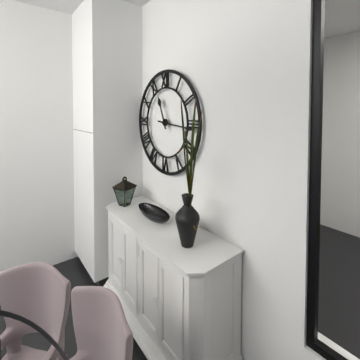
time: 11:16
